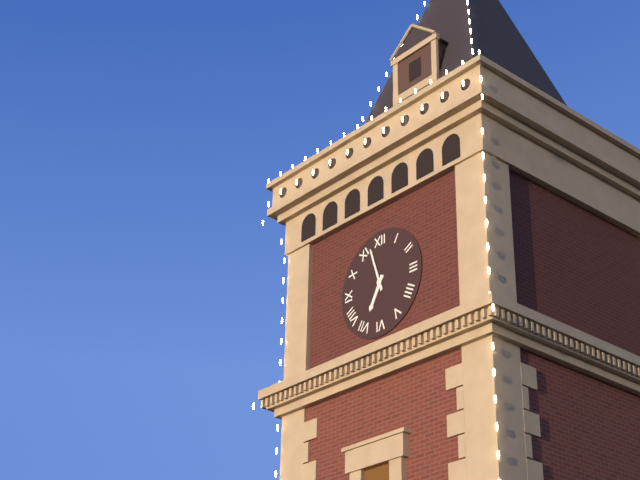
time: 6:57
